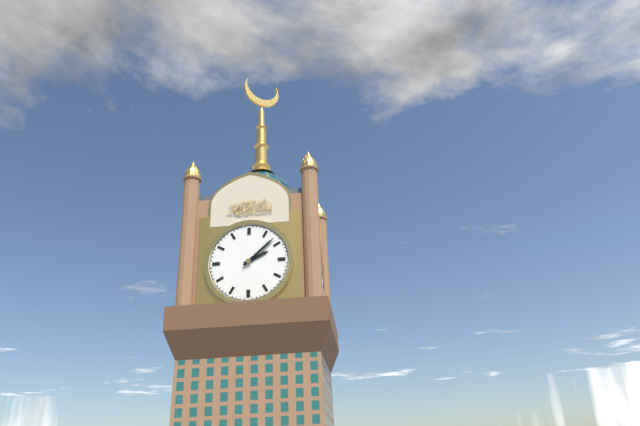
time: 2:08
